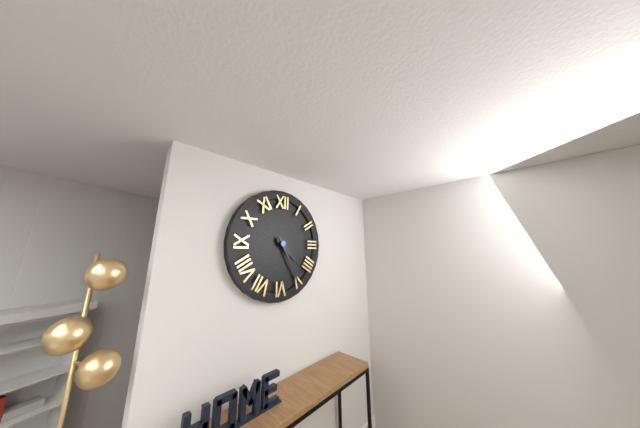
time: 4:25
